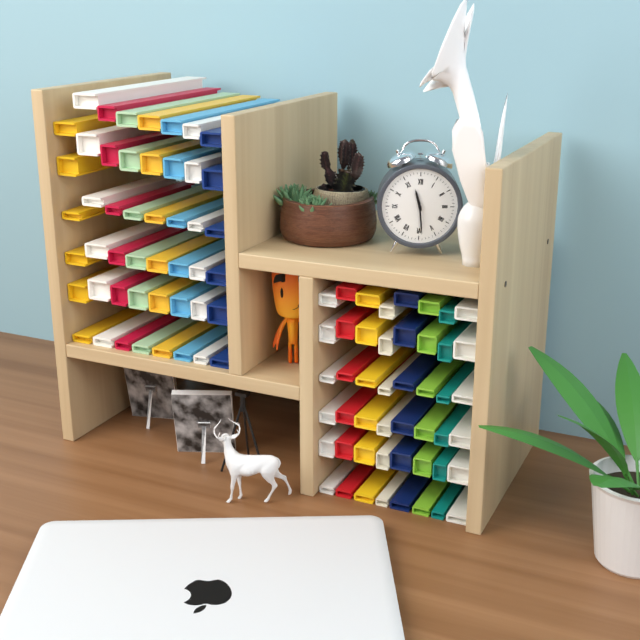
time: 11:29
